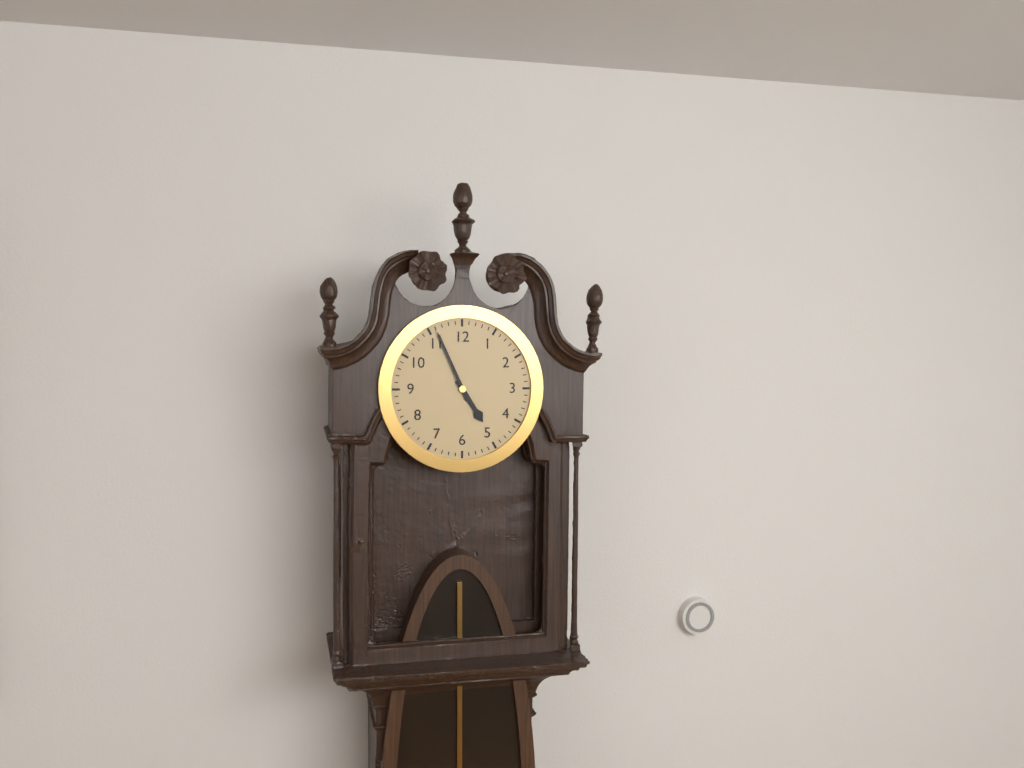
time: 4:56
